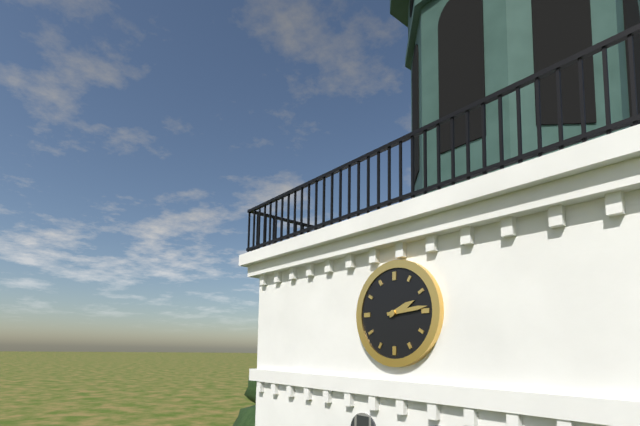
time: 2:14
